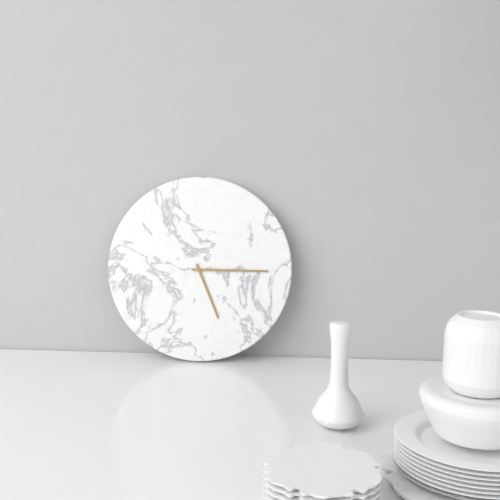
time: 5:15
